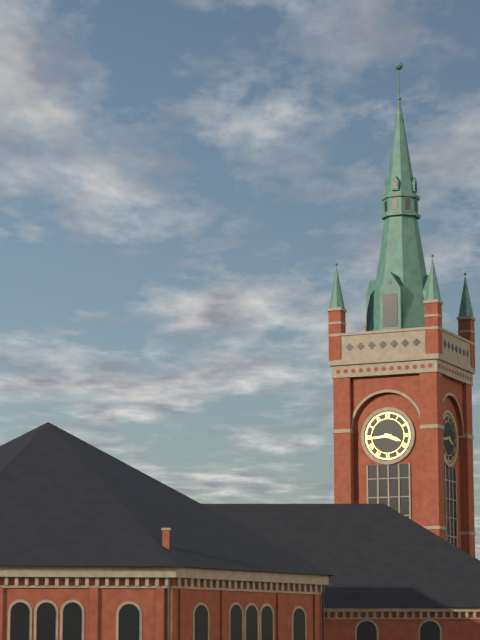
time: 3:44
